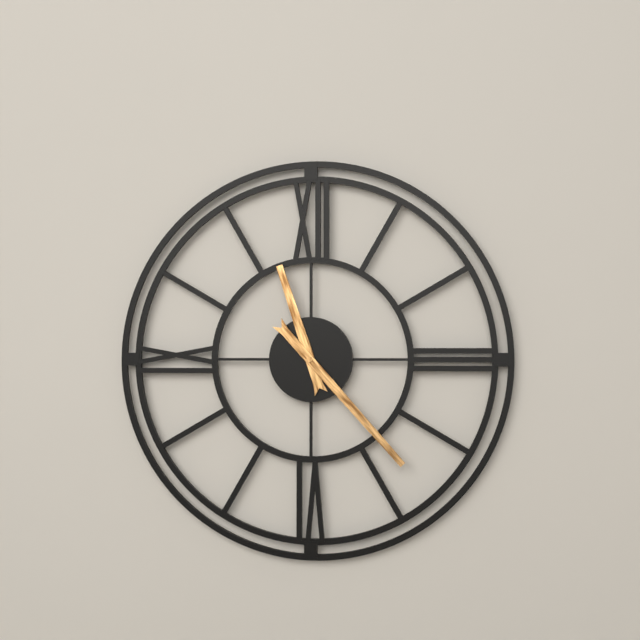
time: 11:23
